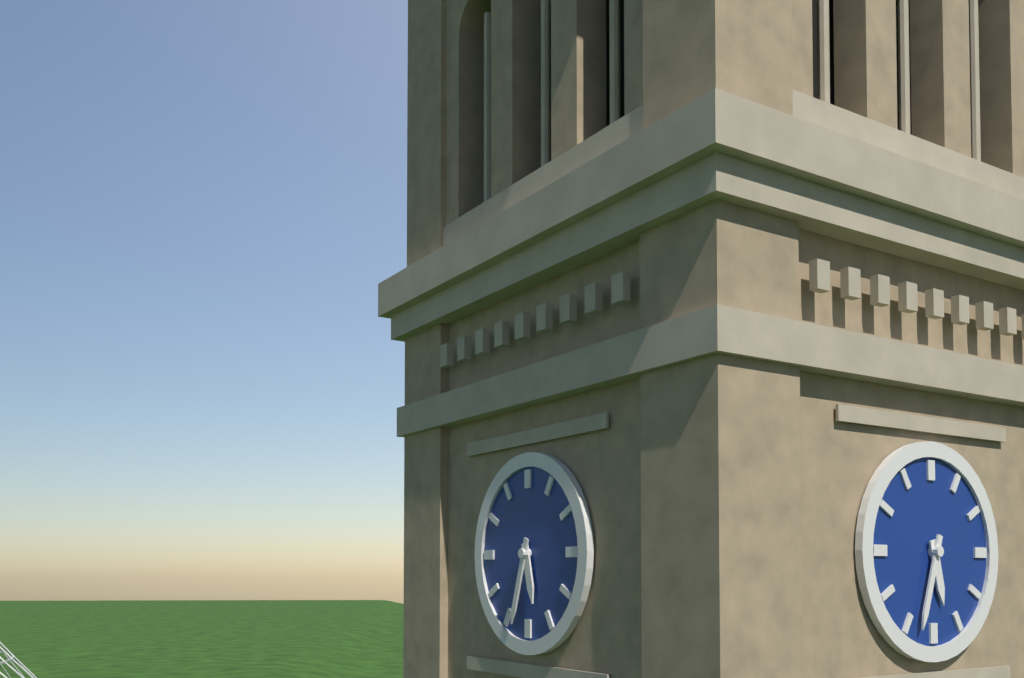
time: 5:33
